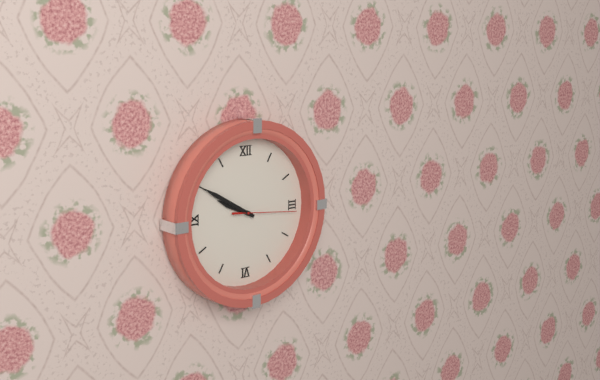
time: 9:50:16
